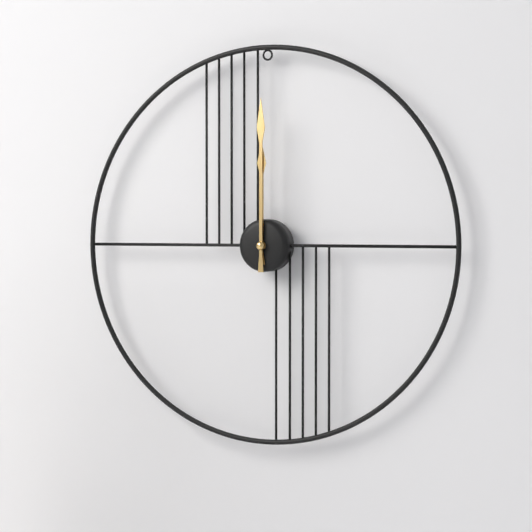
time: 12:00
